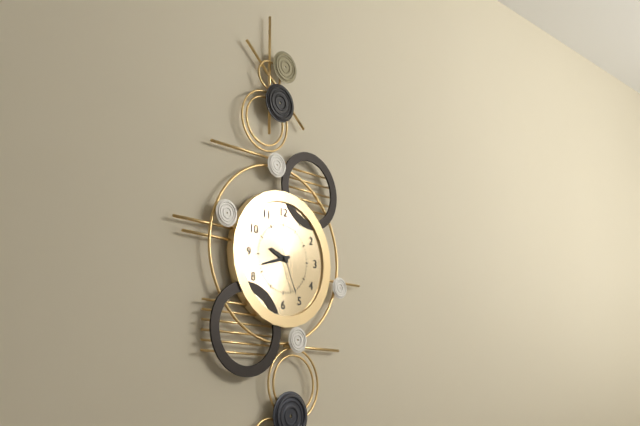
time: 9:42
